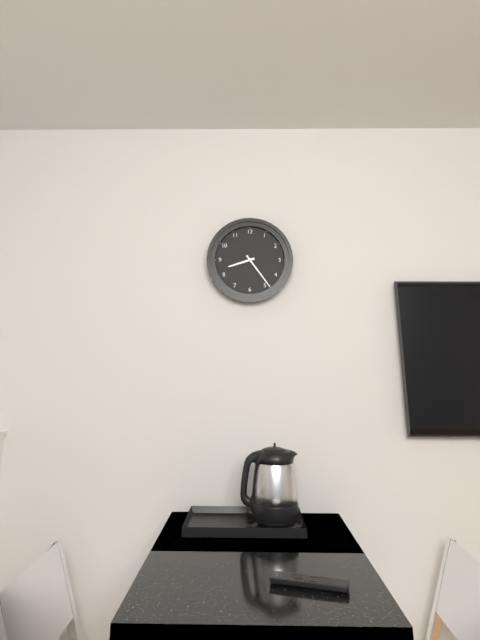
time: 8:24
